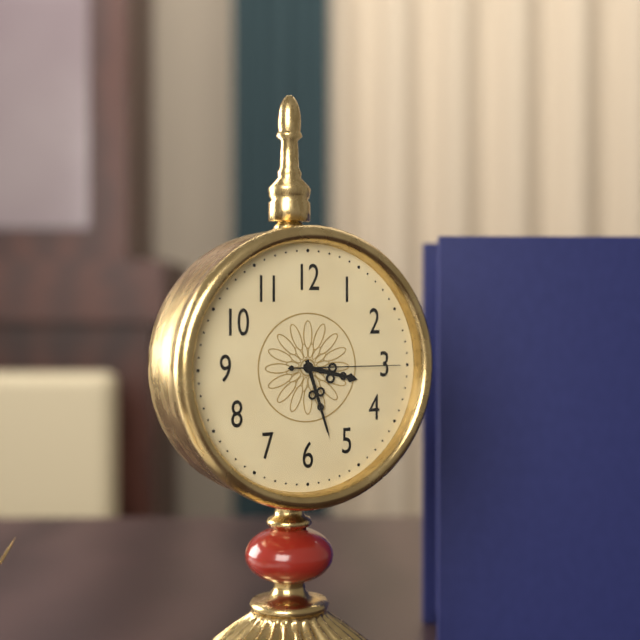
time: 3:27:15
